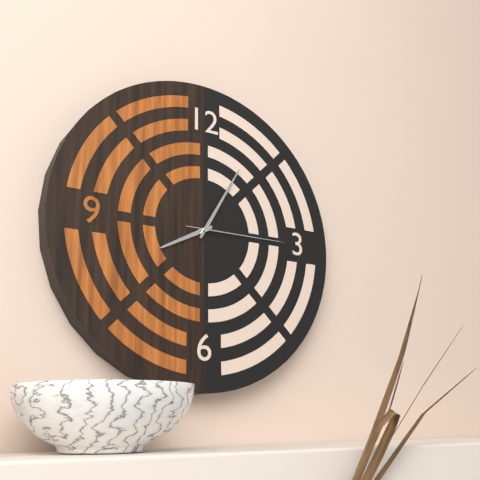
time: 8:05:15
